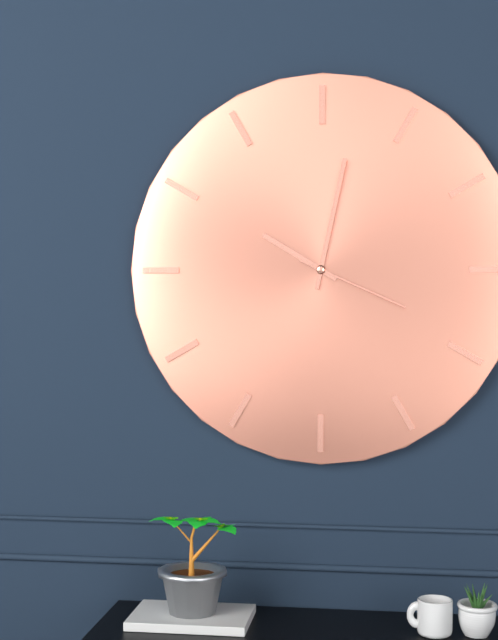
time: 10:02:19
